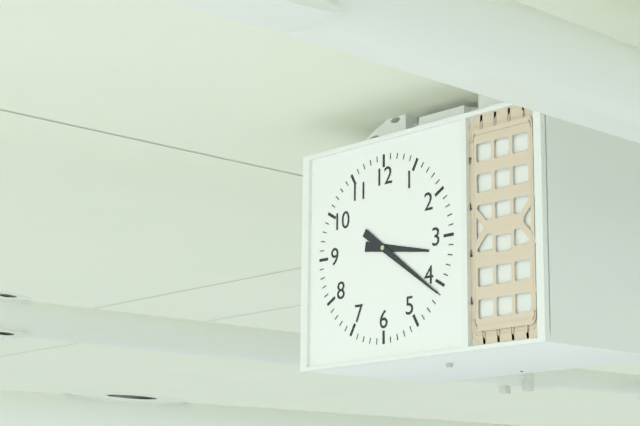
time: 3:21
